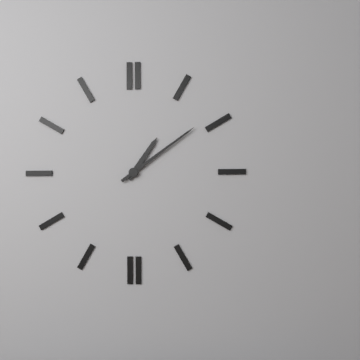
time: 1:09
